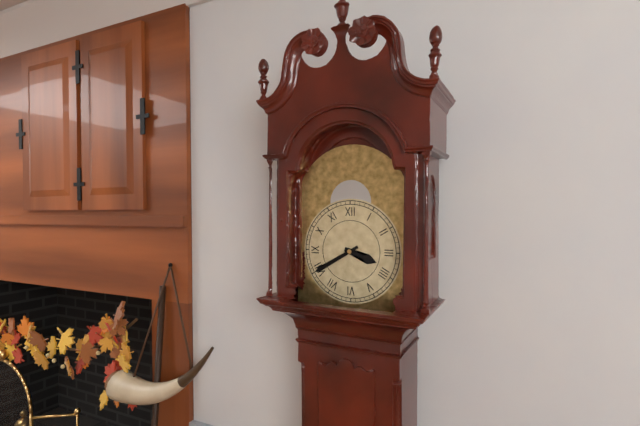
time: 3:40
